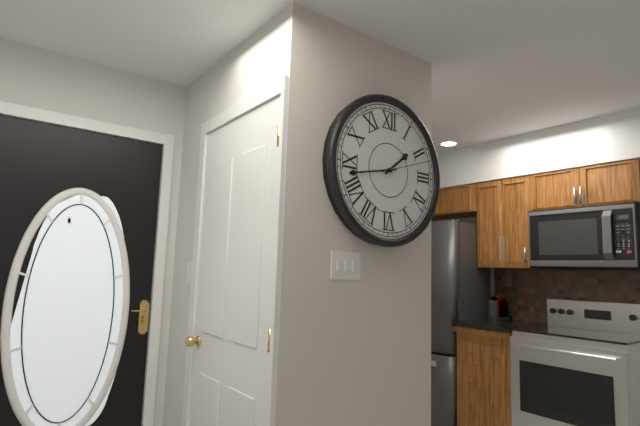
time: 1:43:12
